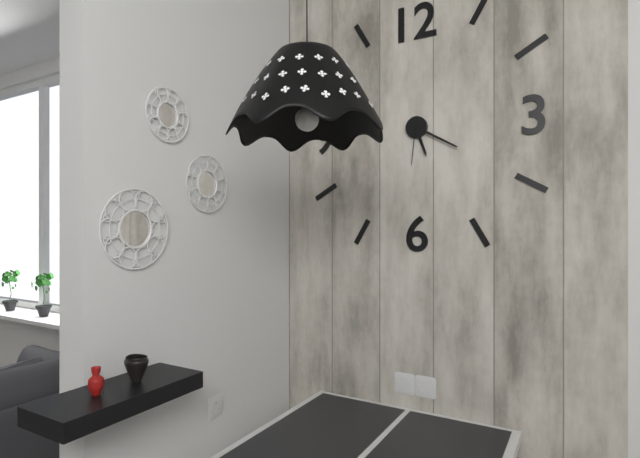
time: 5:20
